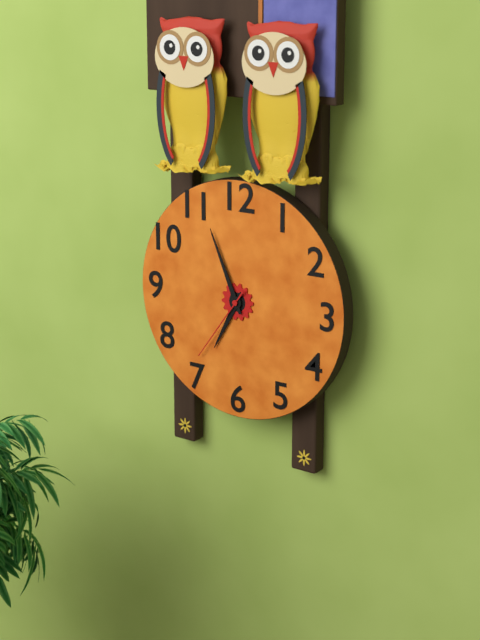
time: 6:56:36
